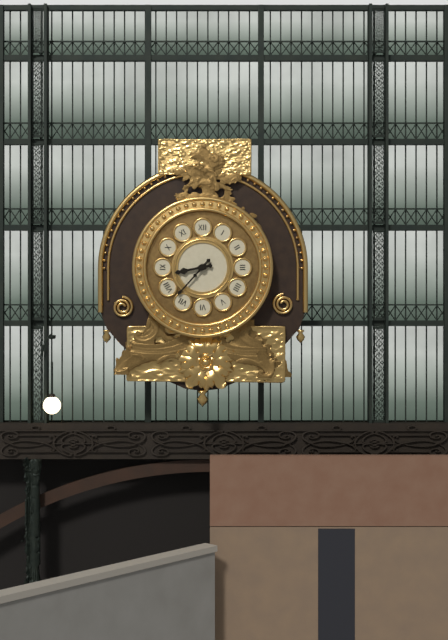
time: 8:37
